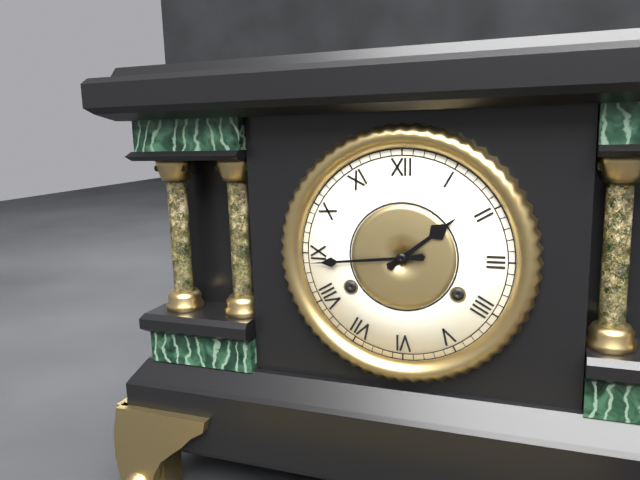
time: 1:44
